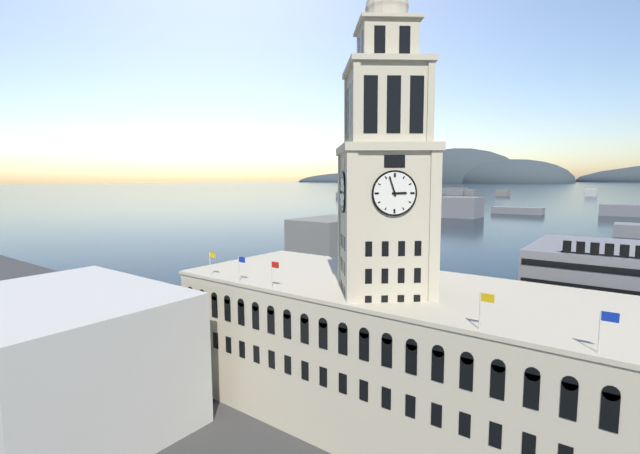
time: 2:57
